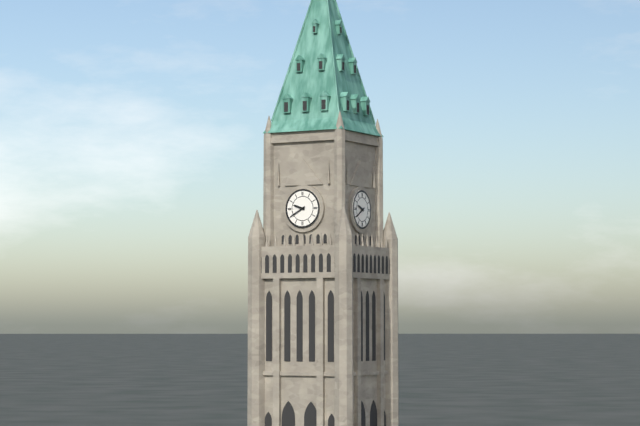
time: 9:40
